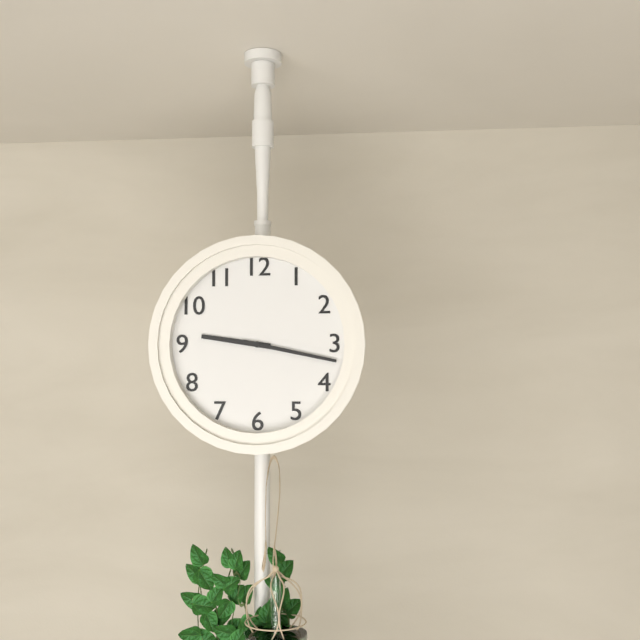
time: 9:17
